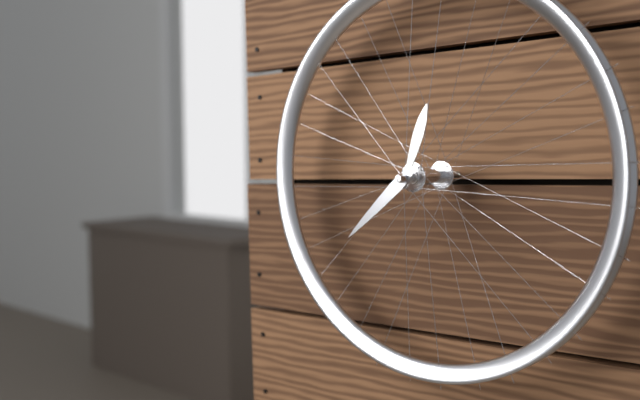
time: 12:38
